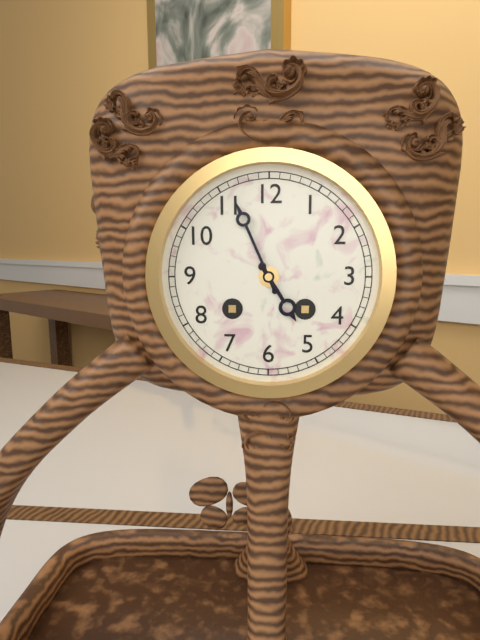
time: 4:56
